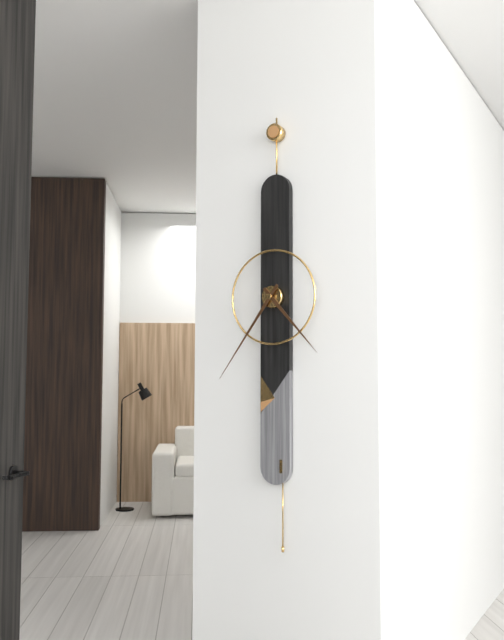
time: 4:36
